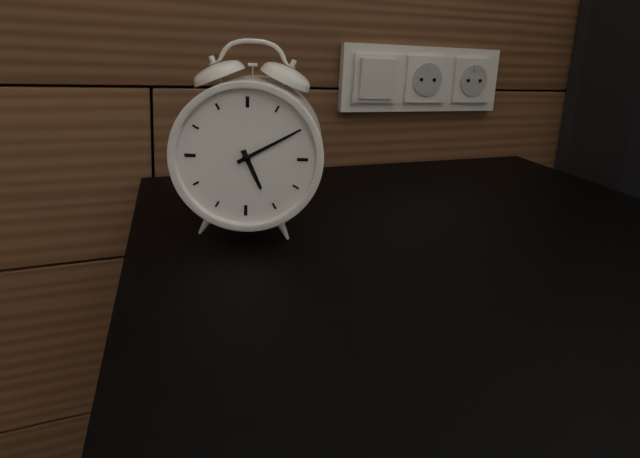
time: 5:10
